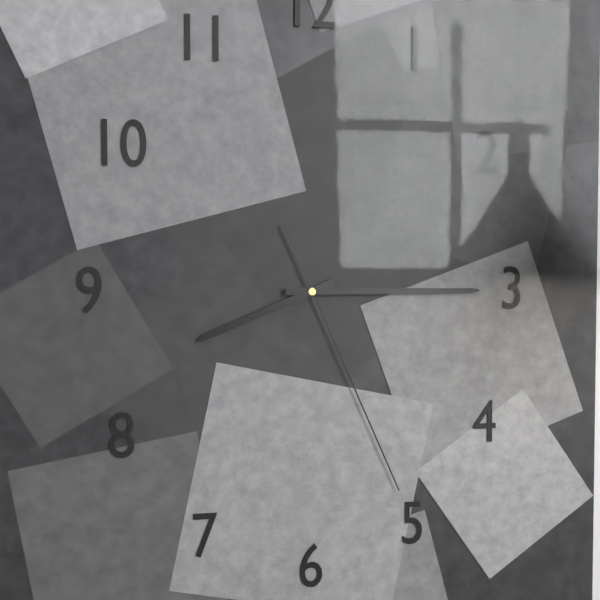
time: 8:15:26
